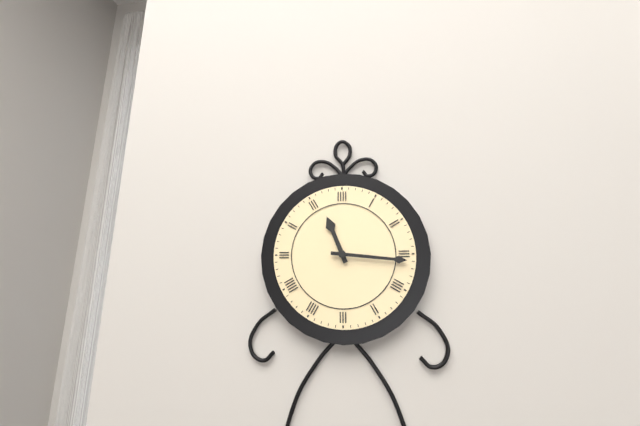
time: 11:16
